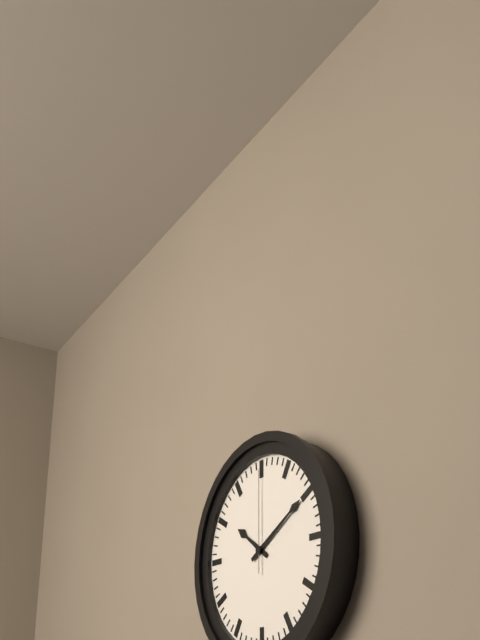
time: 10:10:00
